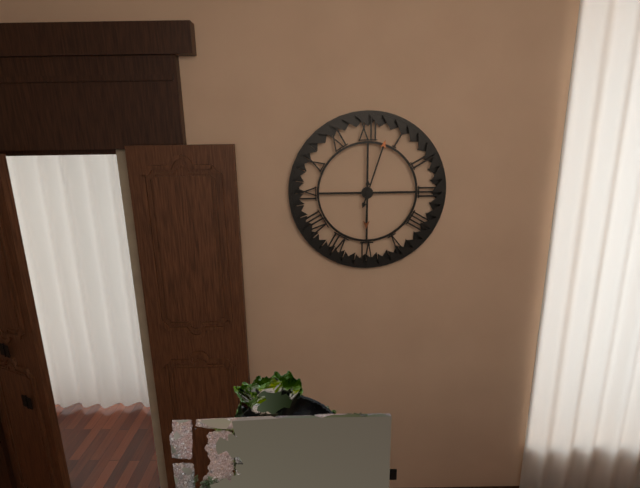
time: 6:03
